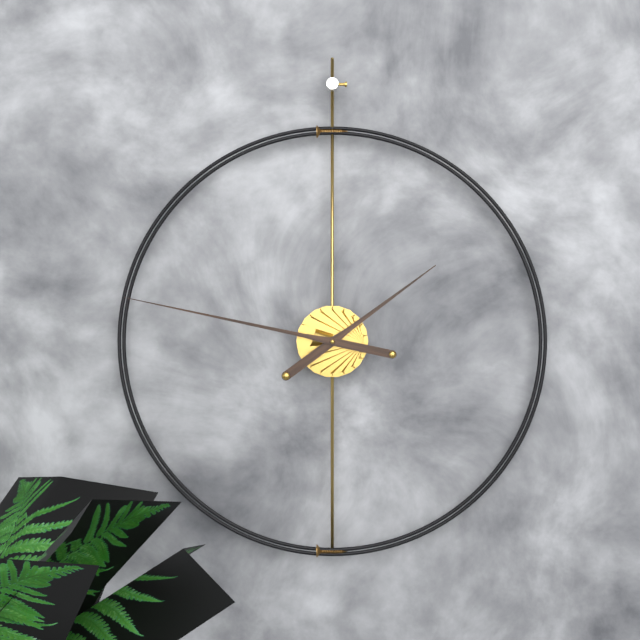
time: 1:47
